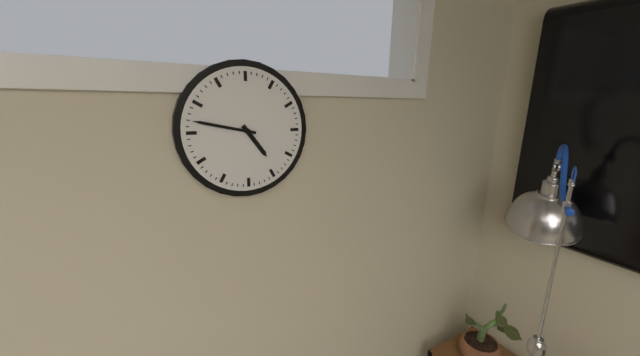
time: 4:47
